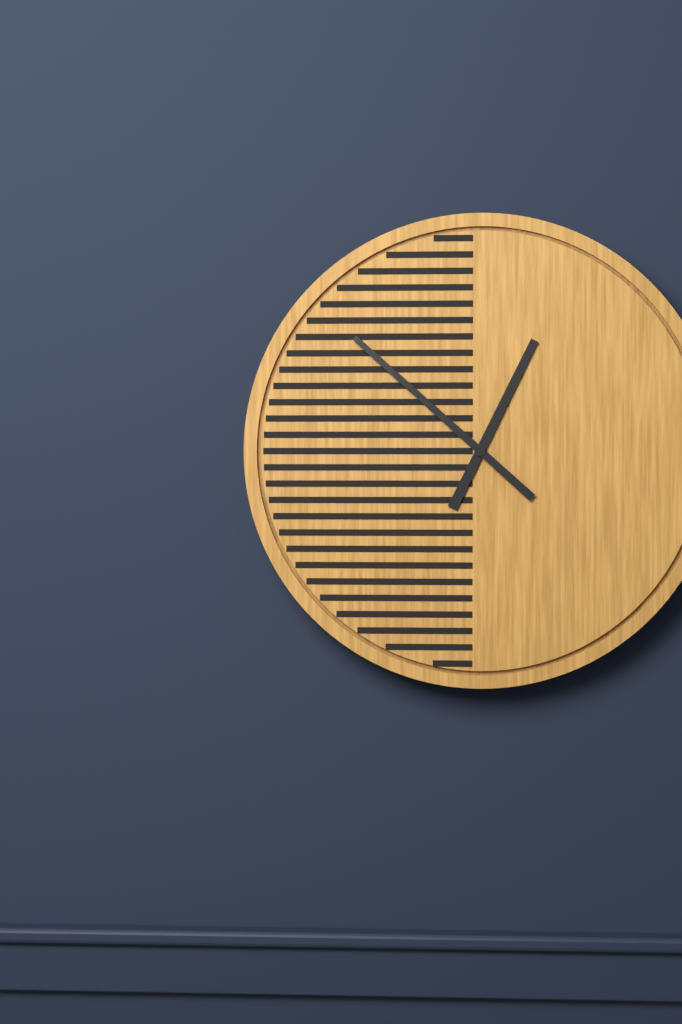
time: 12:52
